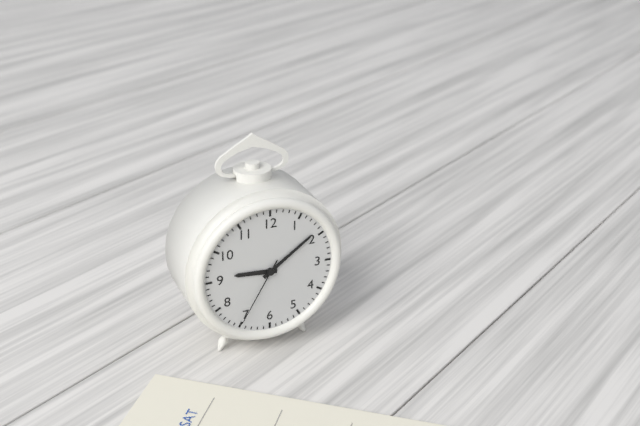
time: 9:09:35
